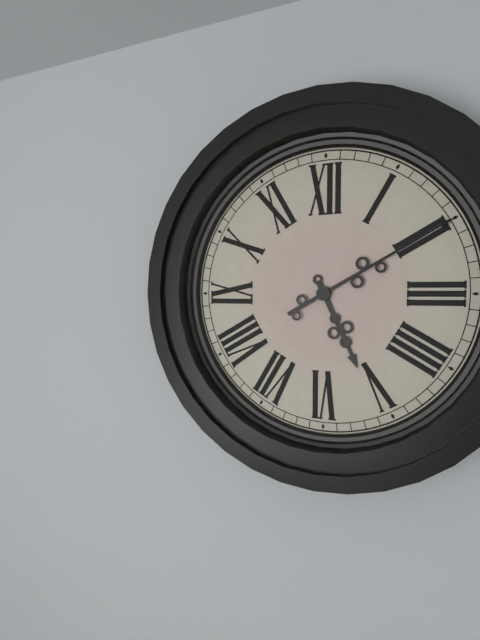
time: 5:10
